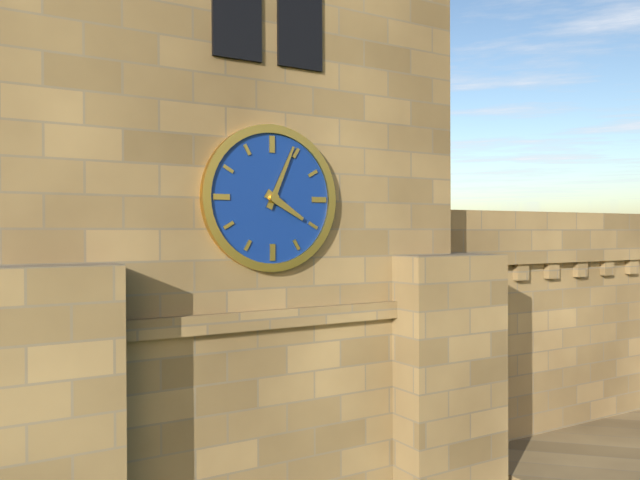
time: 4:04
